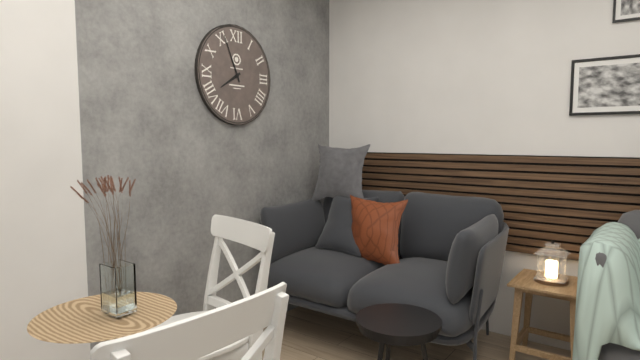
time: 7:56
